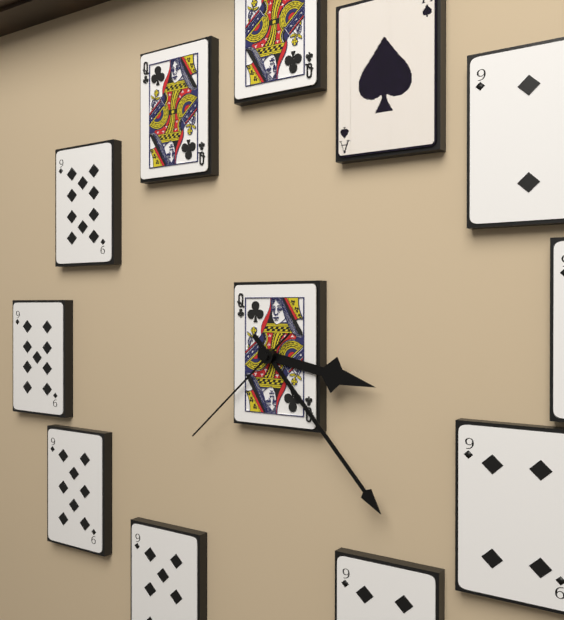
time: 3:23:38
